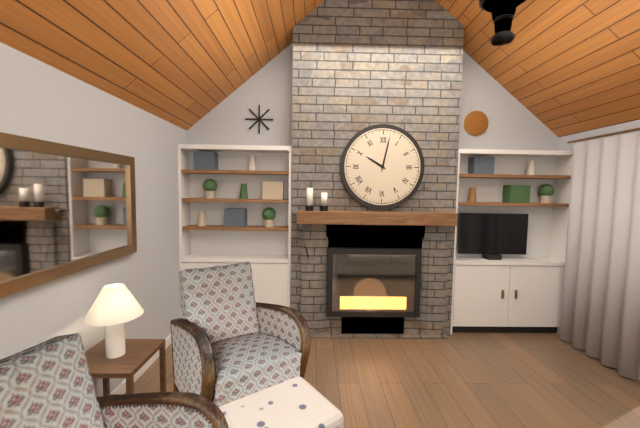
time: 10:02
